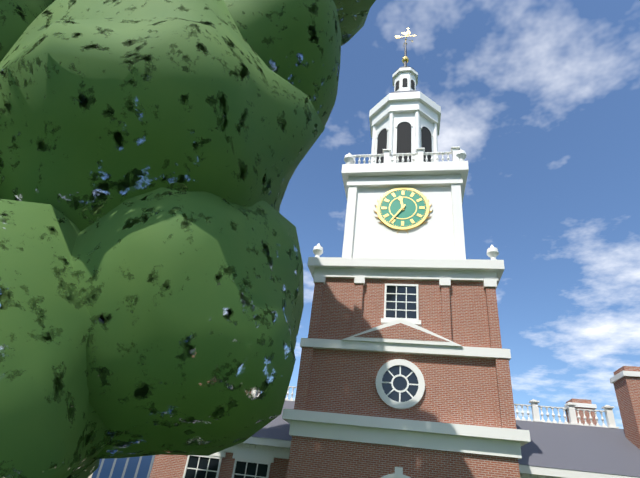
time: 11:36
